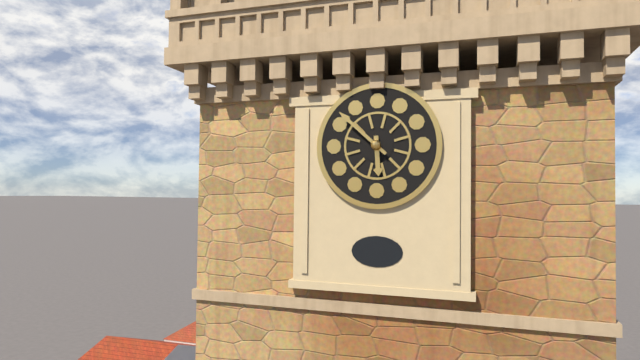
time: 5:52
